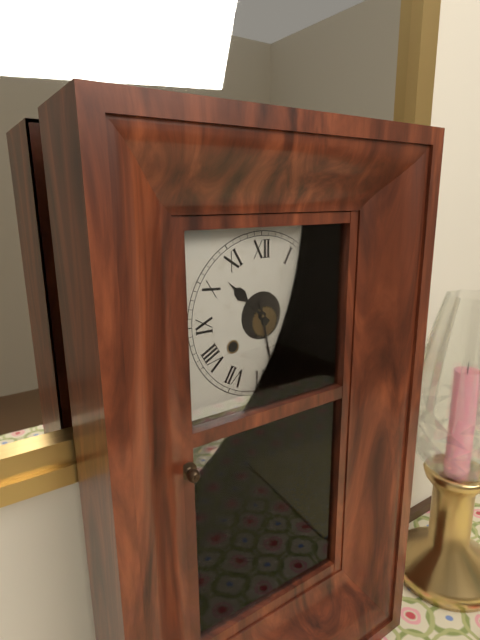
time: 10:28
